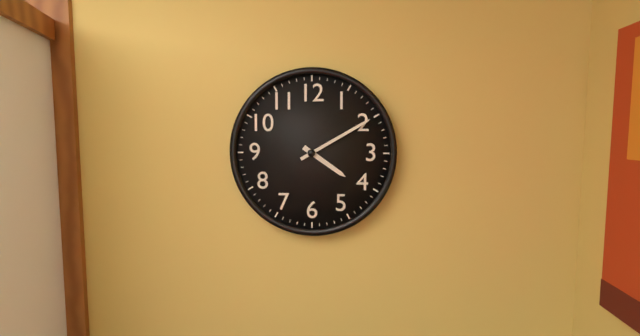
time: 4:10
